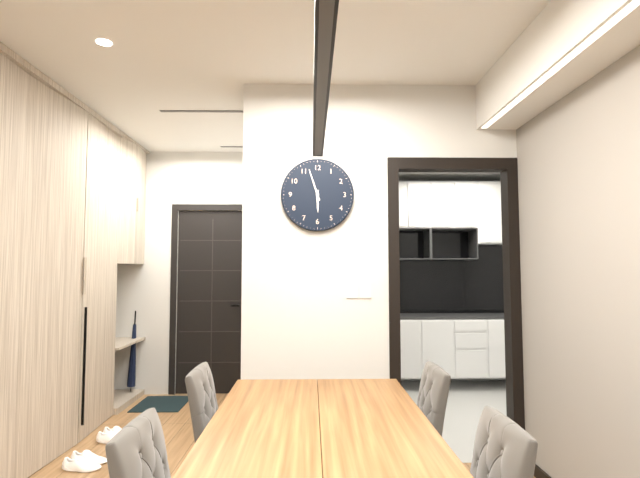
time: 5:57
